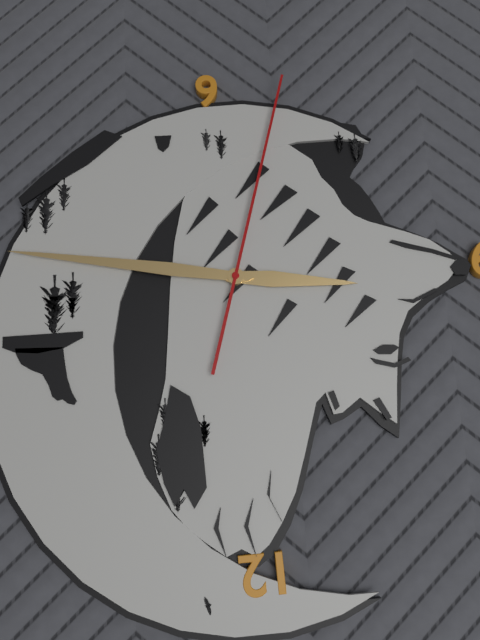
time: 9:17:33
